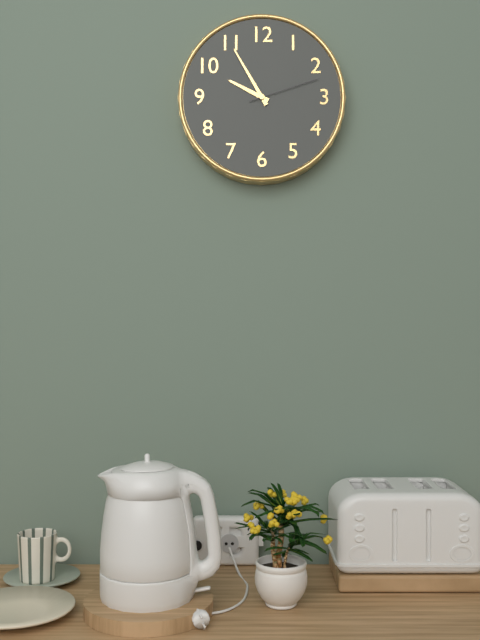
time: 9:55:12
